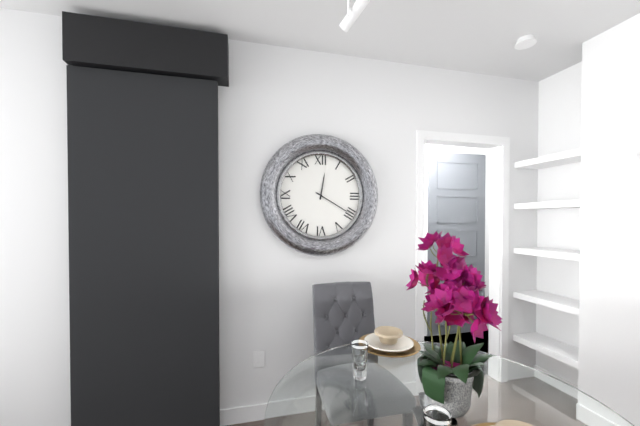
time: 12:20
